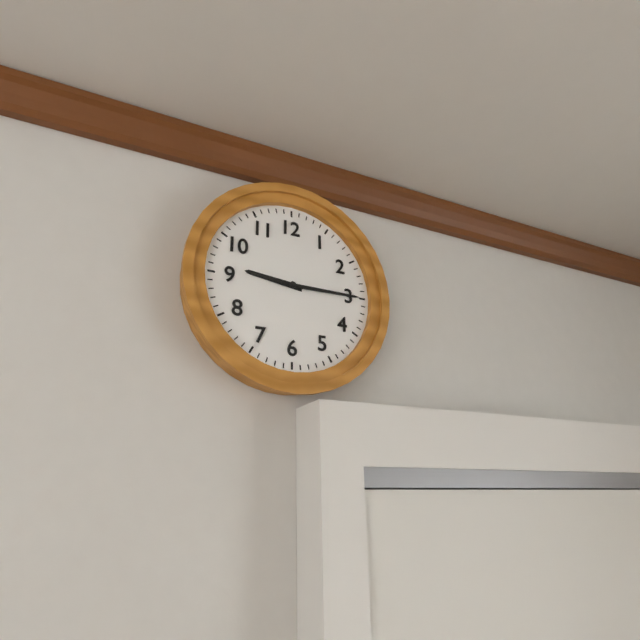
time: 9:15
